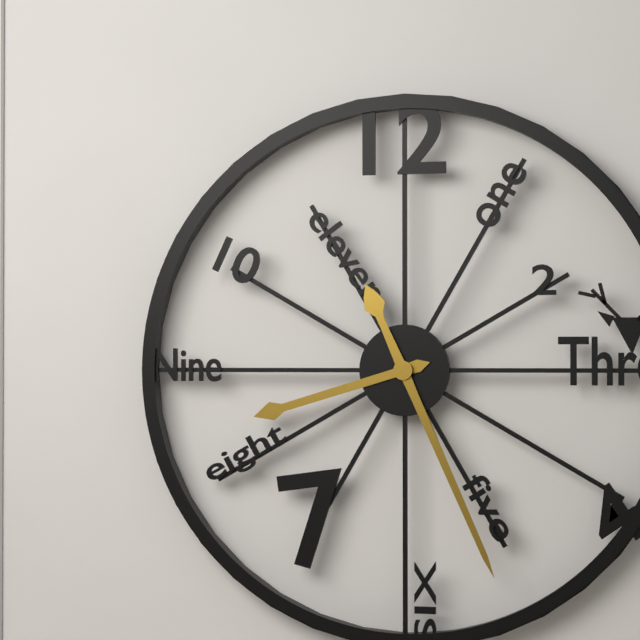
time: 8:26
